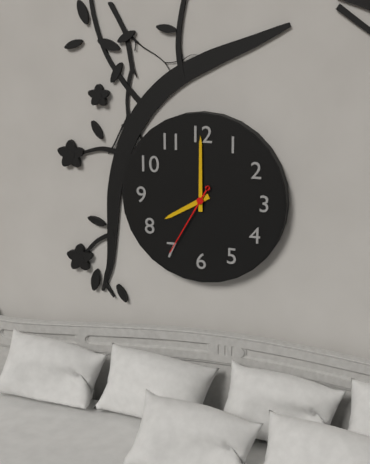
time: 8:00:35
